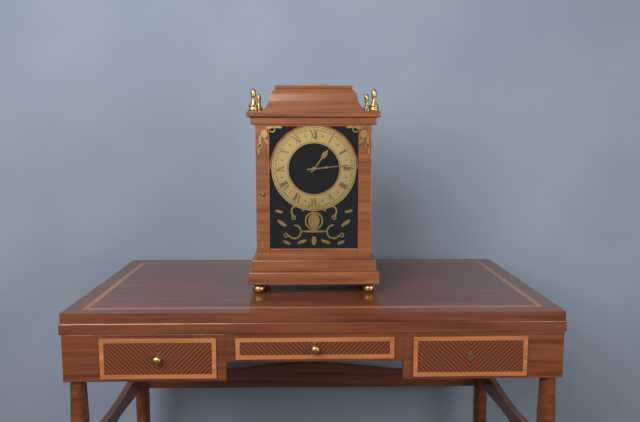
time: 1:14
